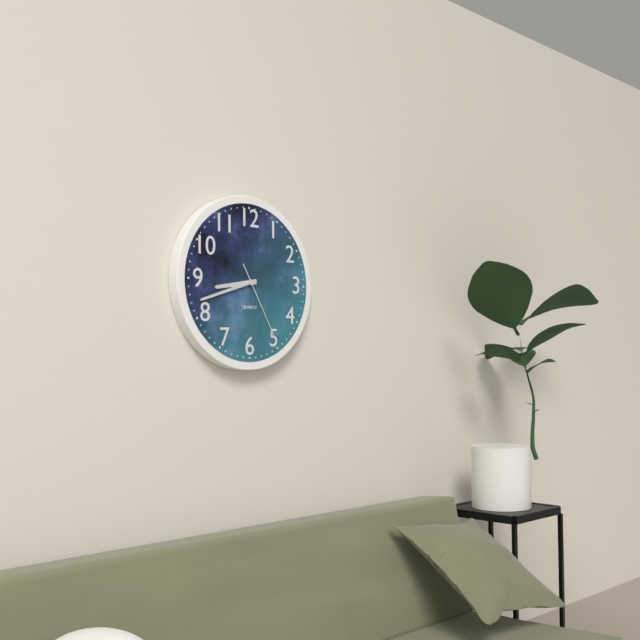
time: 8:42:25
